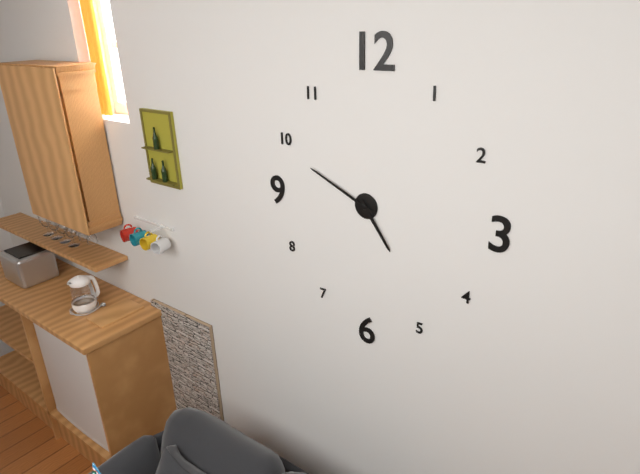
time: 4:49
